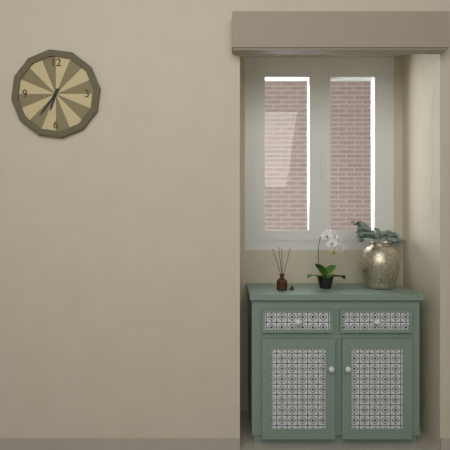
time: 6:36
